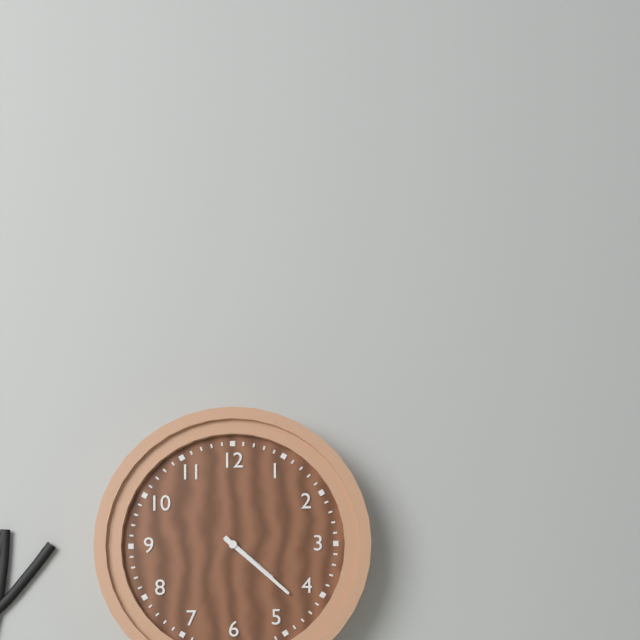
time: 4:22
